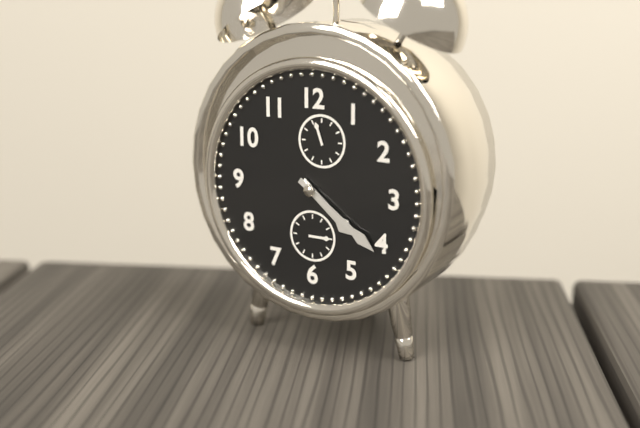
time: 4:21
